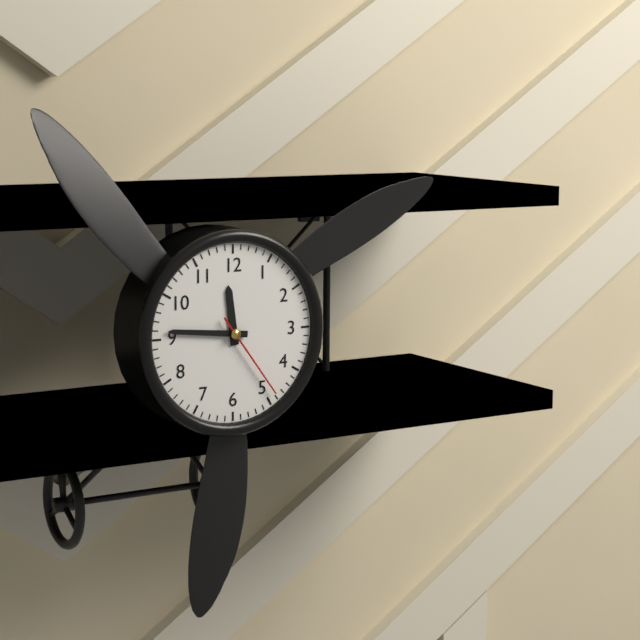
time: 11:46:24
